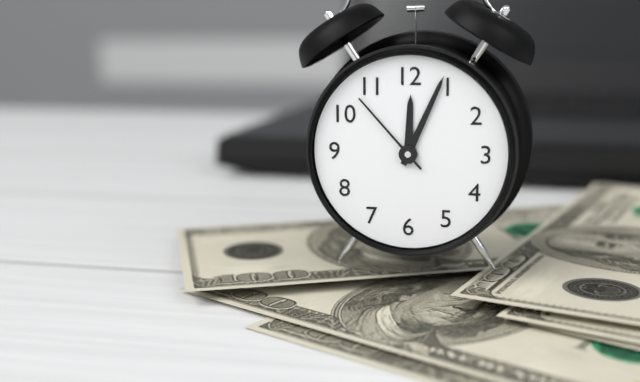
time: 12:04:53
